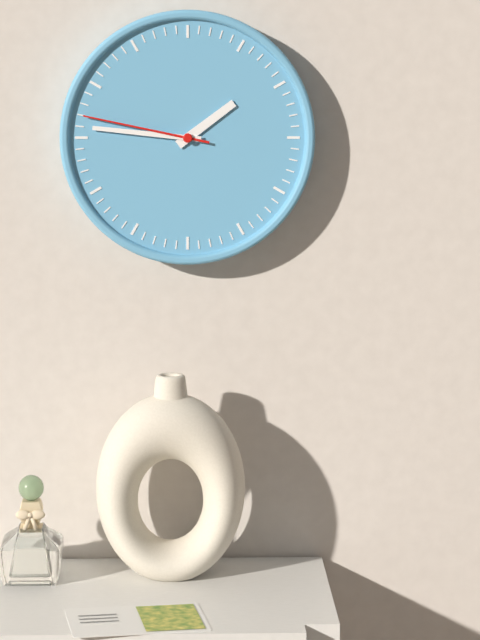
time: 1:46:47
